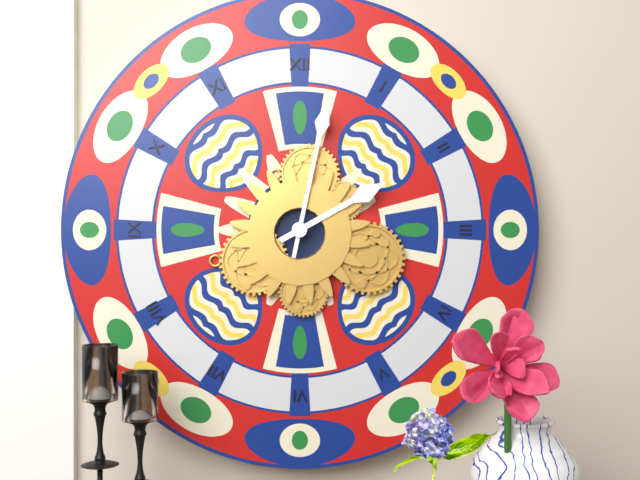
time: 2:02
